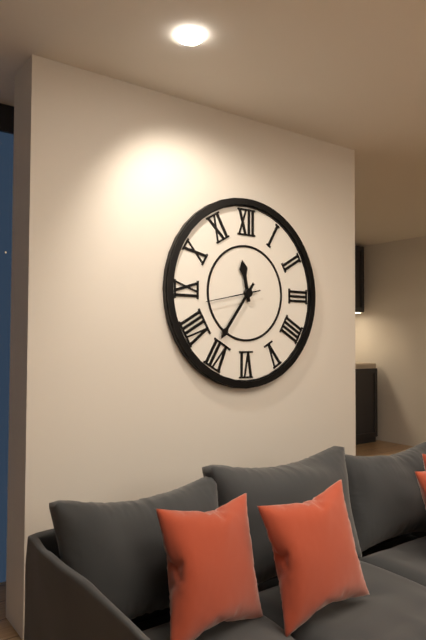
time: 11:36:43
